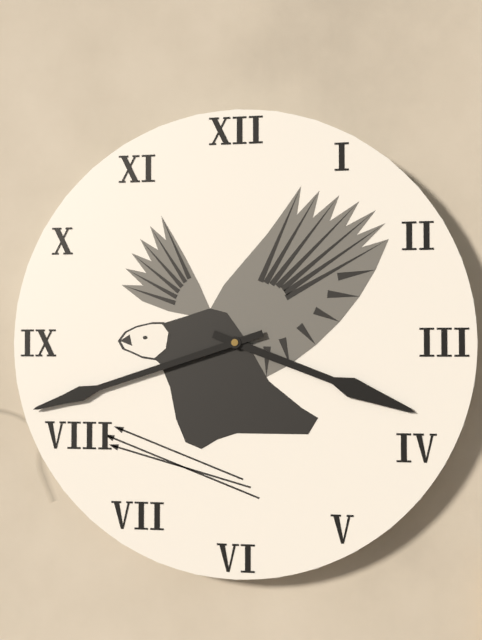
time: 3:42
